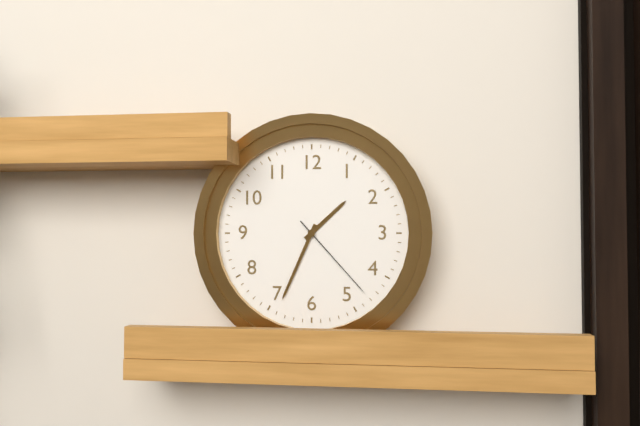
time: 1:34:23
